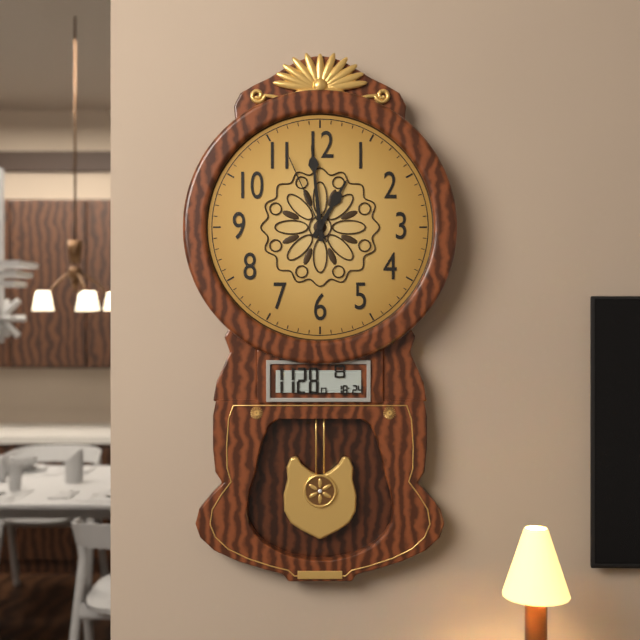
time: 12:59:56
